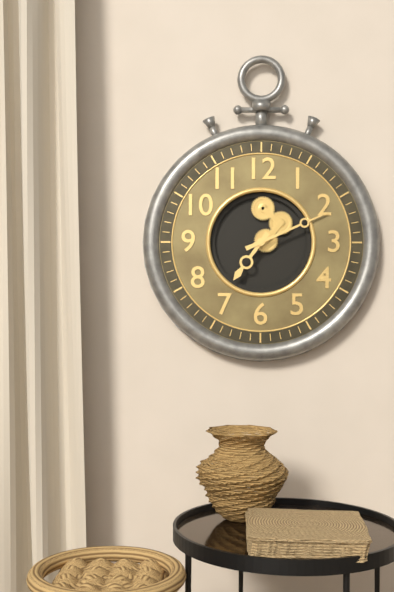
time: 7:11
